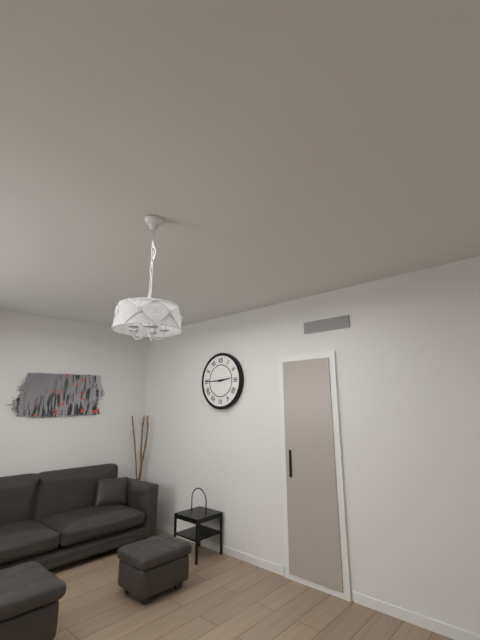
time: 2:45
